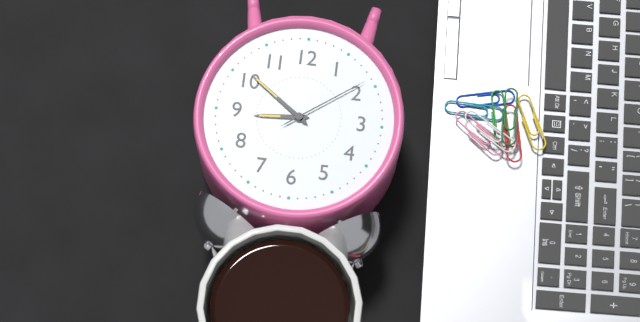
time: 8:51:09
